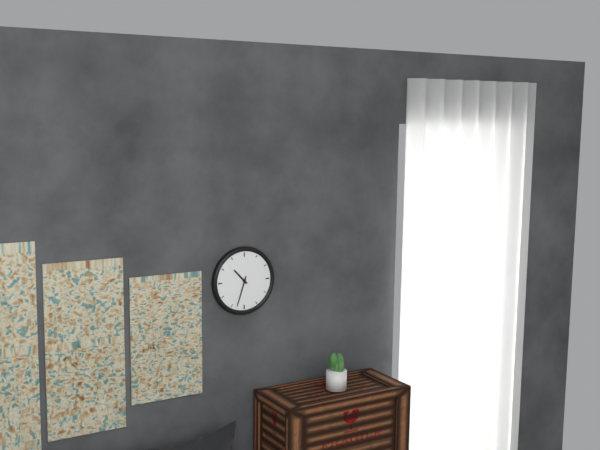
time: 10:33
